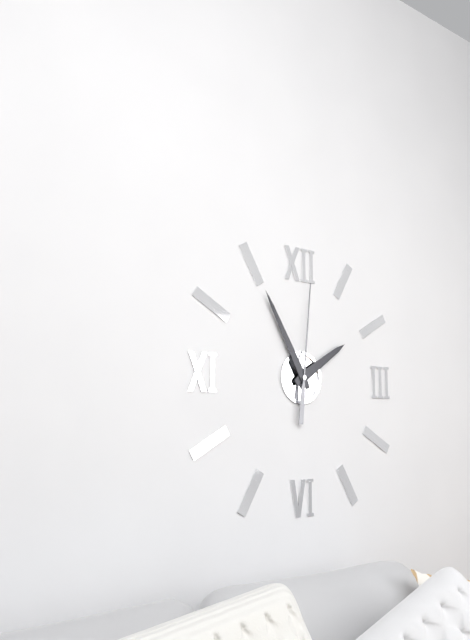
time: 1:55:01
